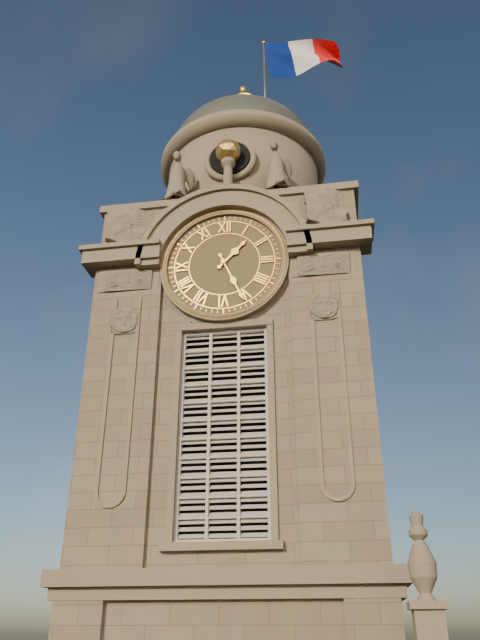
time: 1:26
